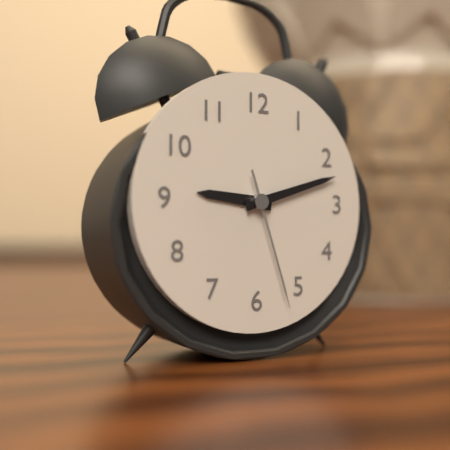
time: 9:12:27
